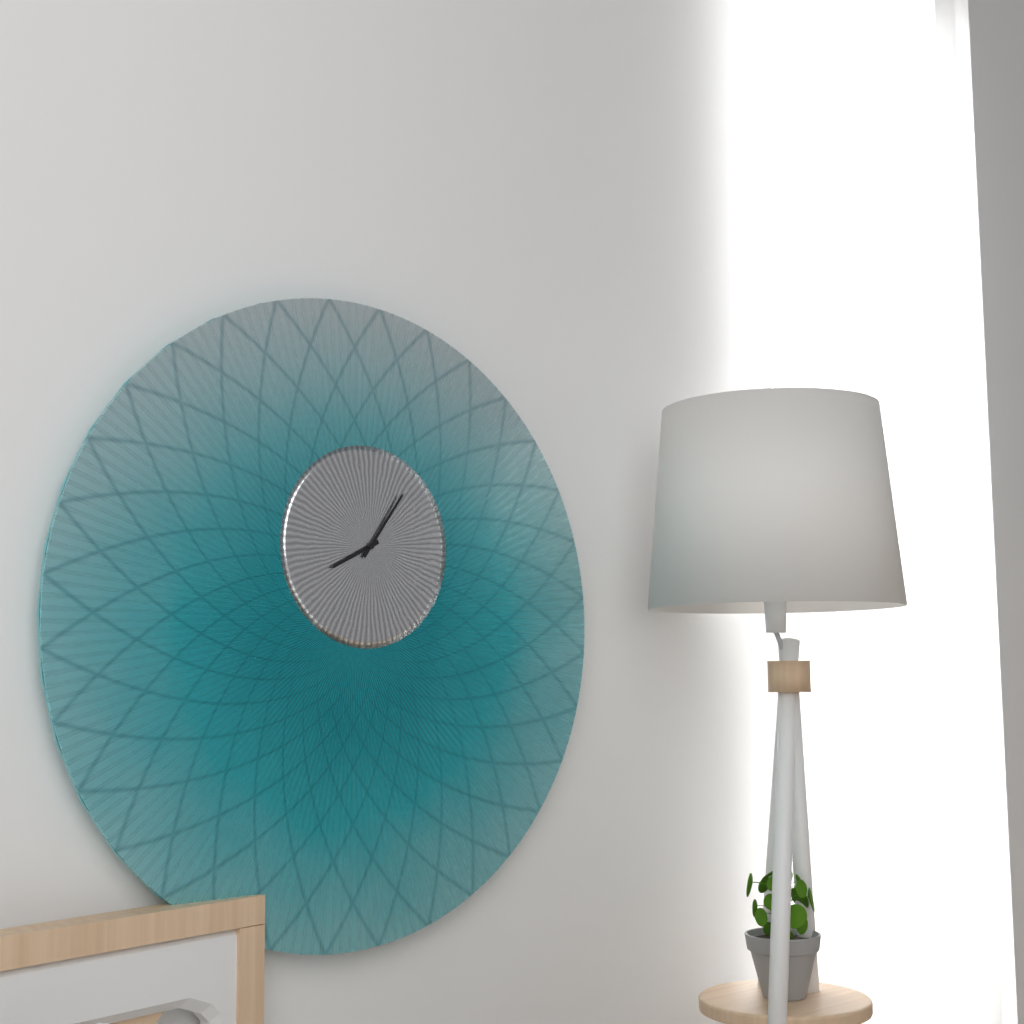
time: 8:06
